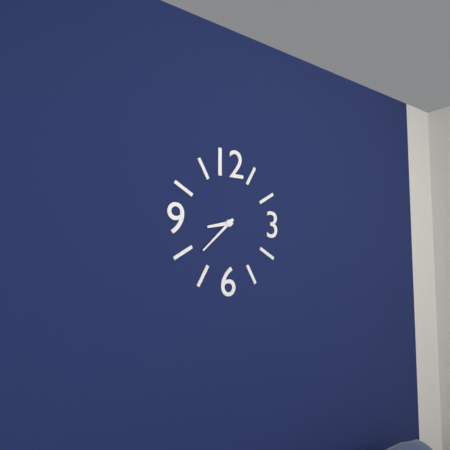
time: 8:38
